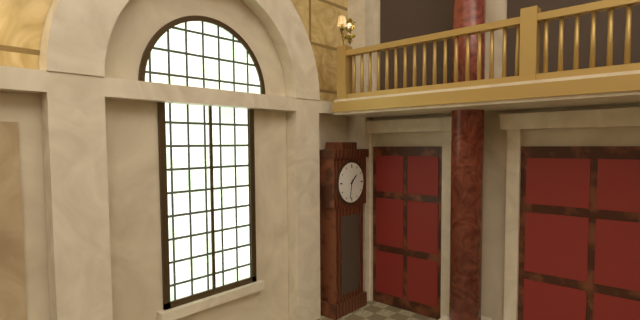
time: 1:32
